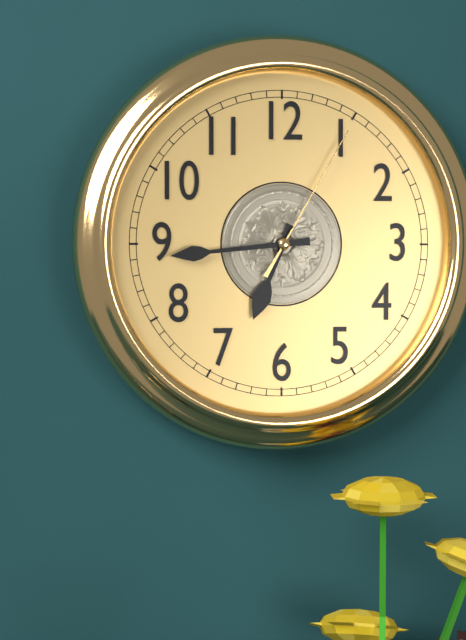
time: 6:44:05
